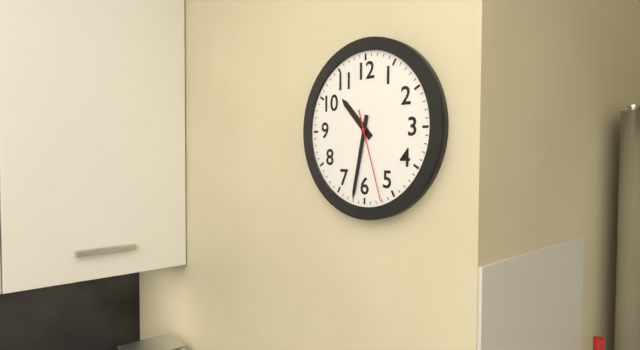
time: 10:32:27
